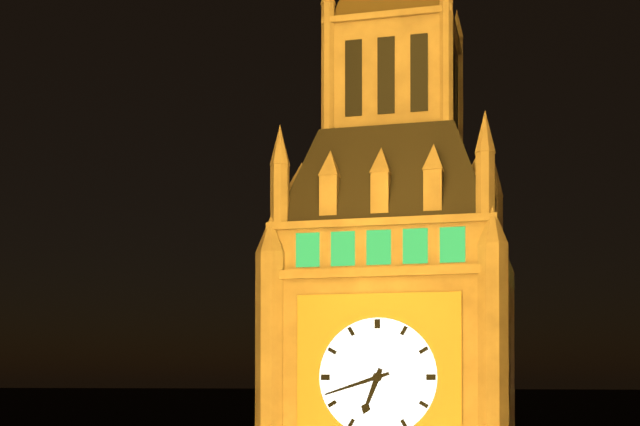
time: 6:42
